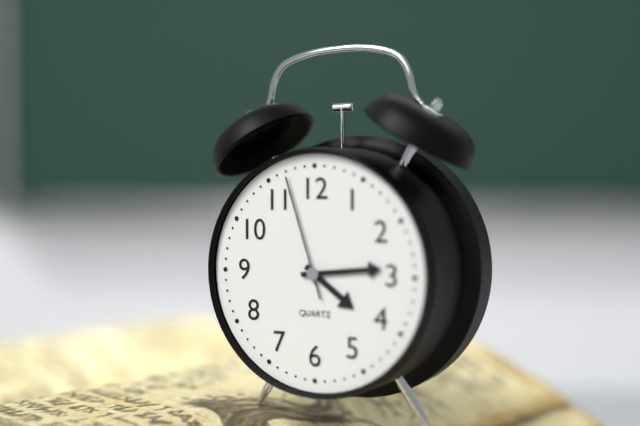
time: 4:14:57
